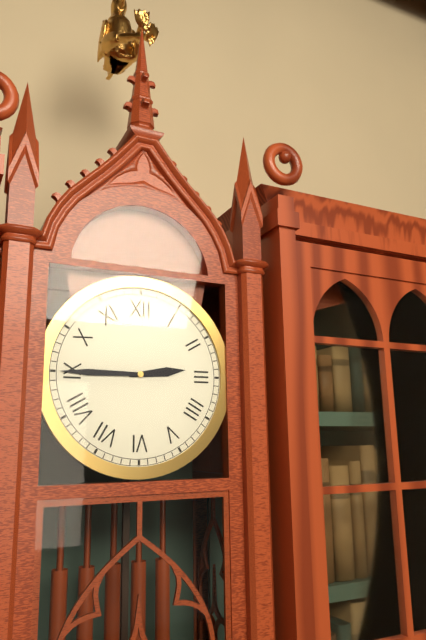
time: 2:45
